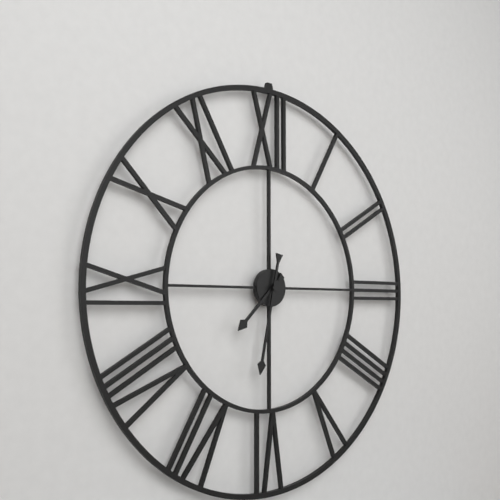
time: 7:32
